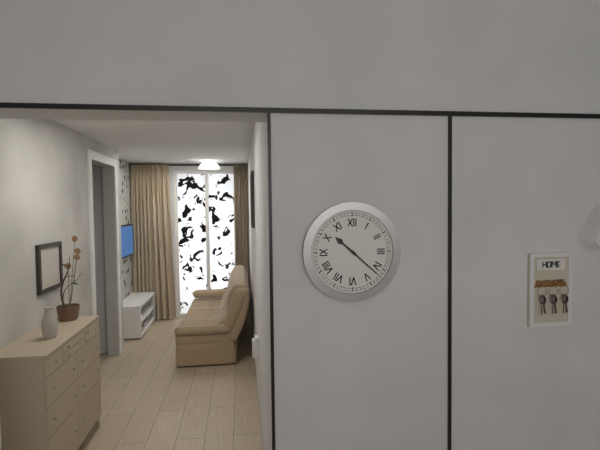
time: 10:22
